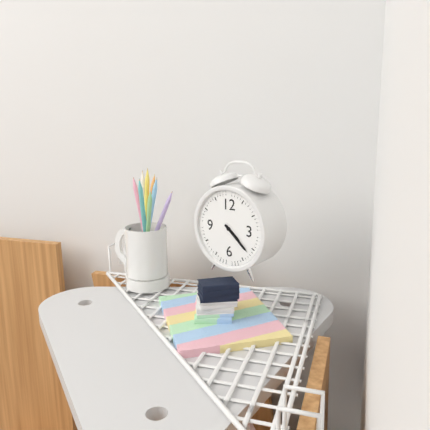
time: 4:22
